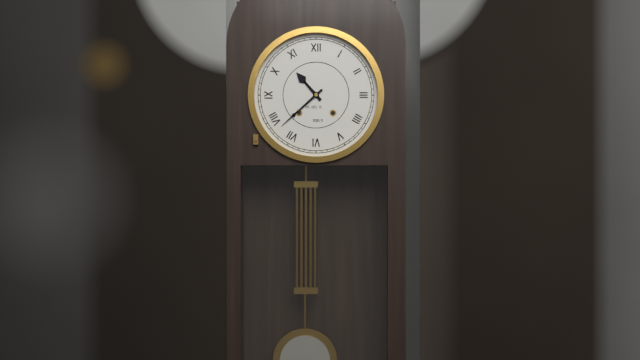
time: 10:38
